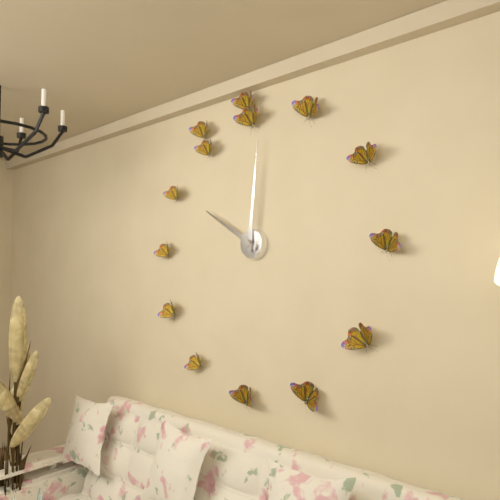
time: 10:01
